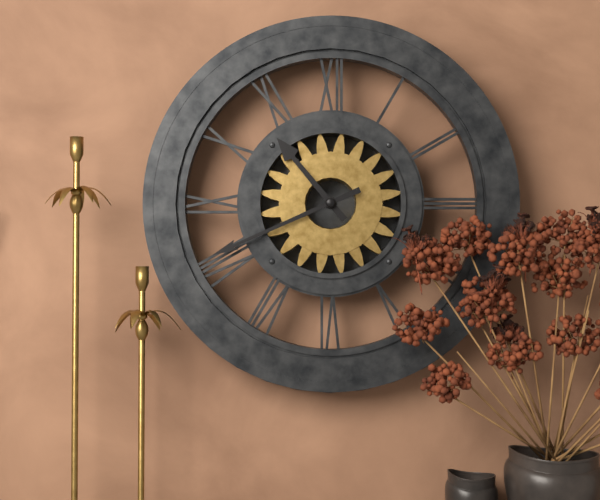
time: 10:41
